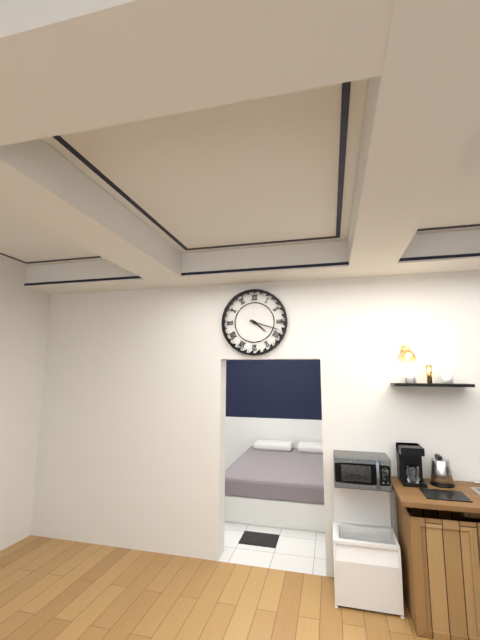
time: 4:18
